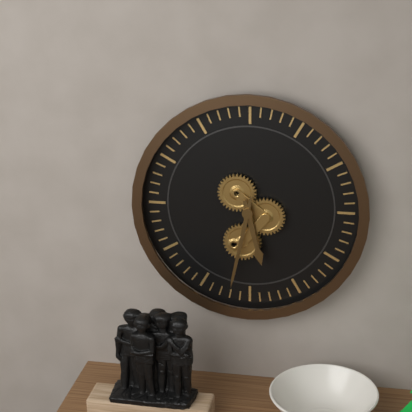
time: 5:32
